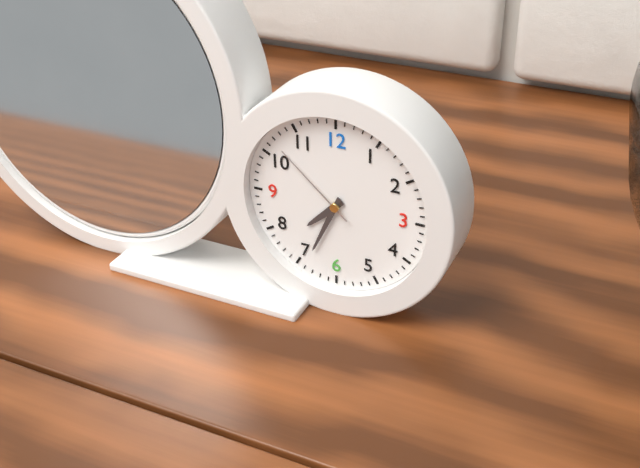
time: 7:34:52
